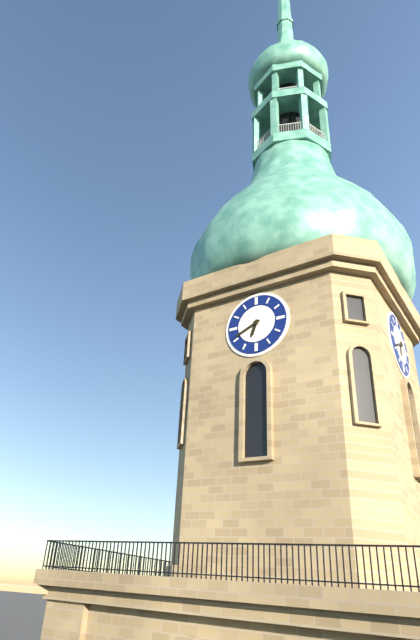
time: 6:41
